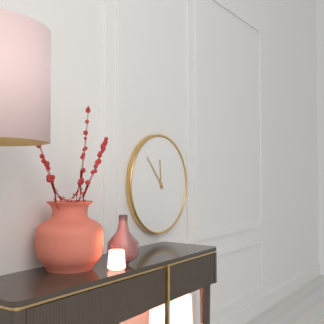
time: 11:53
